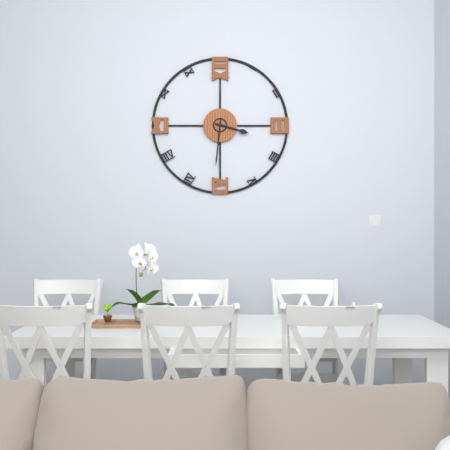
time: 3:31
